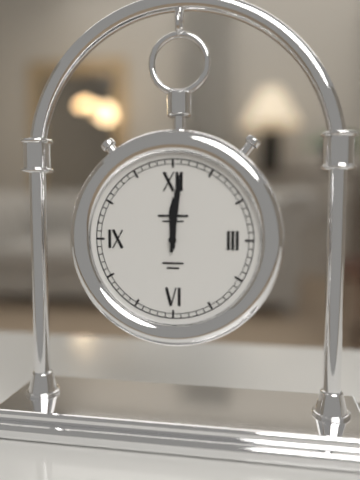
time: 12:01
